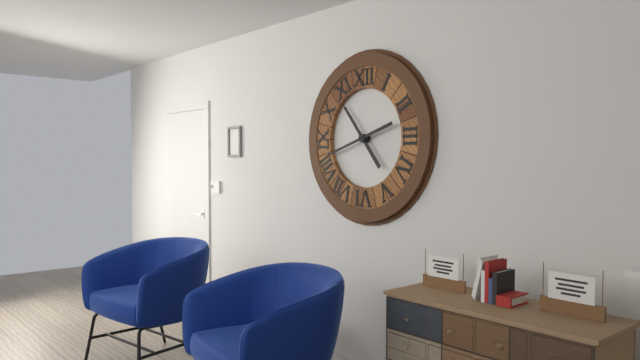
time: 10:42
